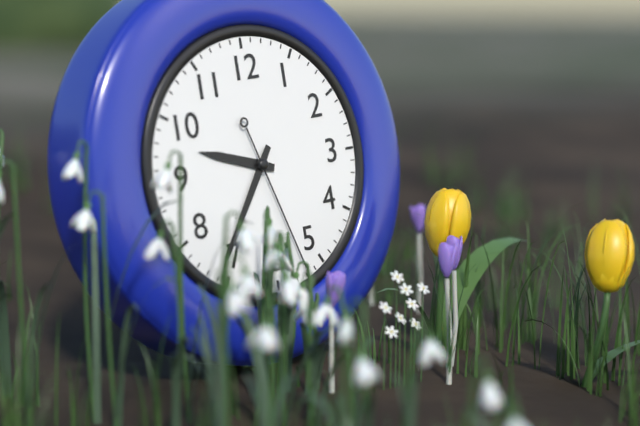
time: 9:36:27
